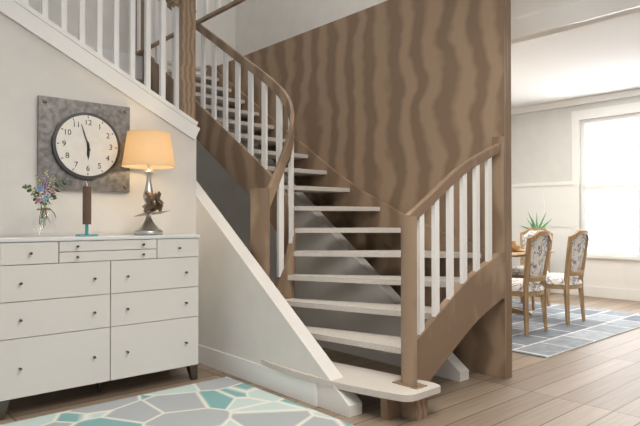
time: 5:57
